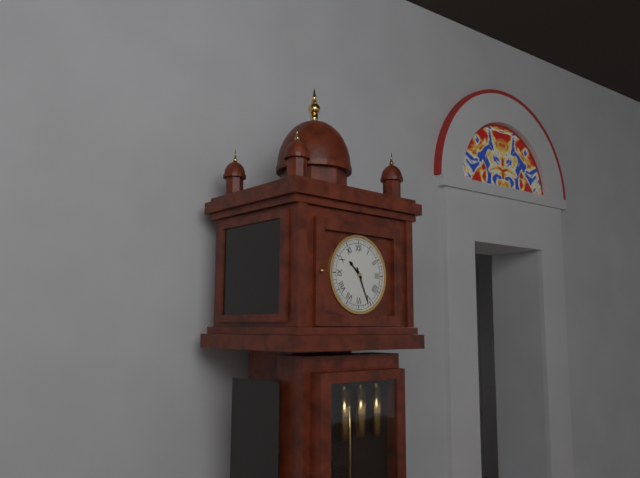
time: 10:26
